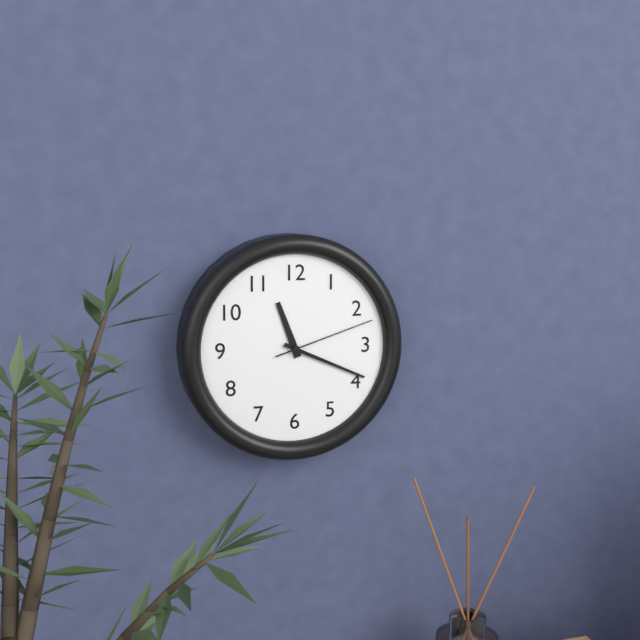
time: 11:19:12
